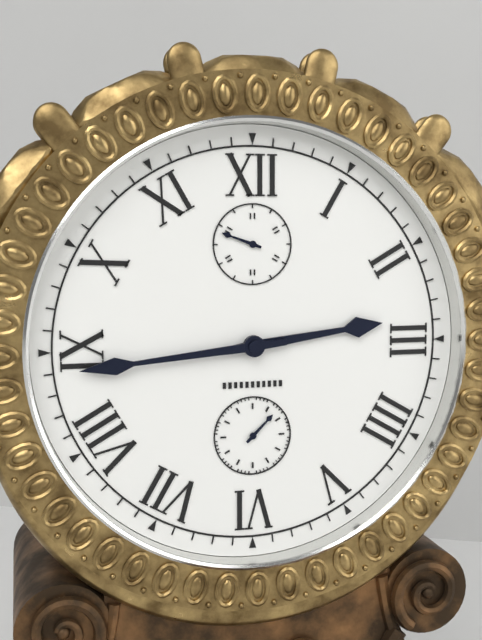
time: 2:44
